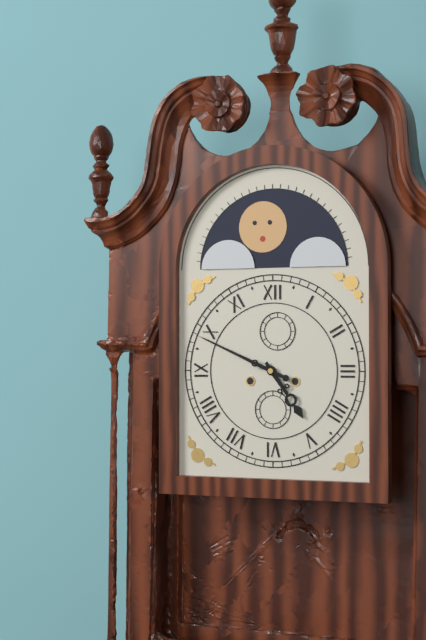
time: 4:49
